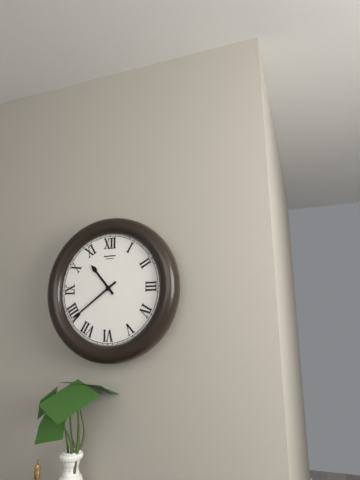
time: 10:39
